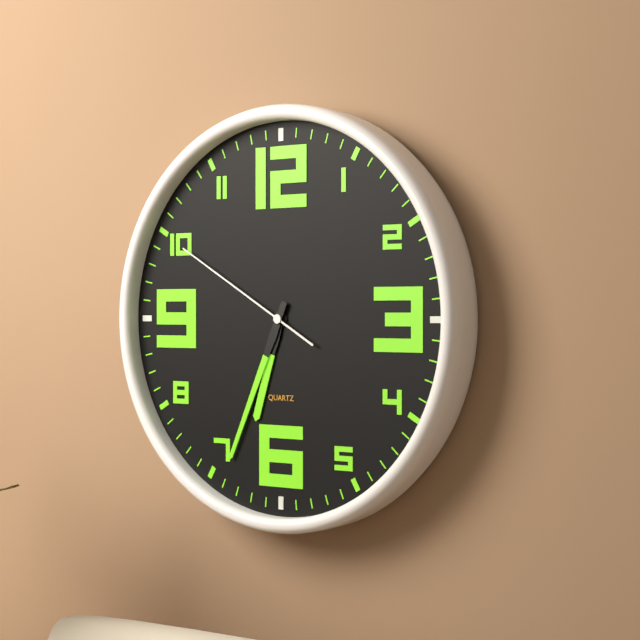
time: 6:34:50
